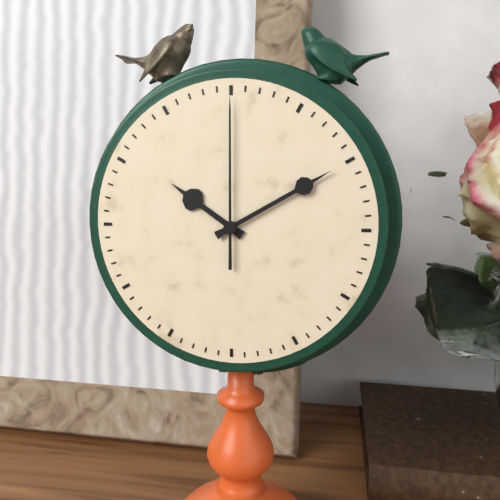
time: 10:10:00
